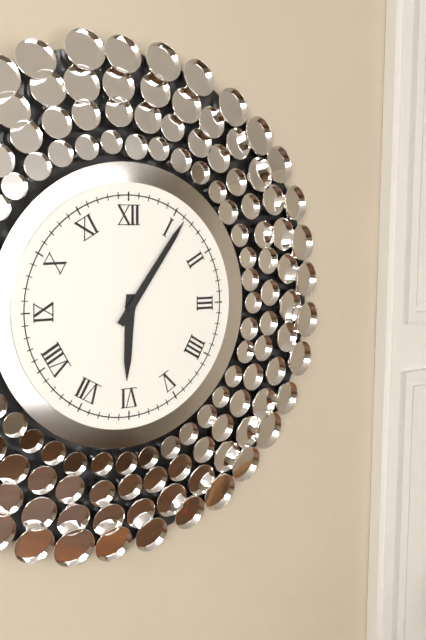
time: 6:06
